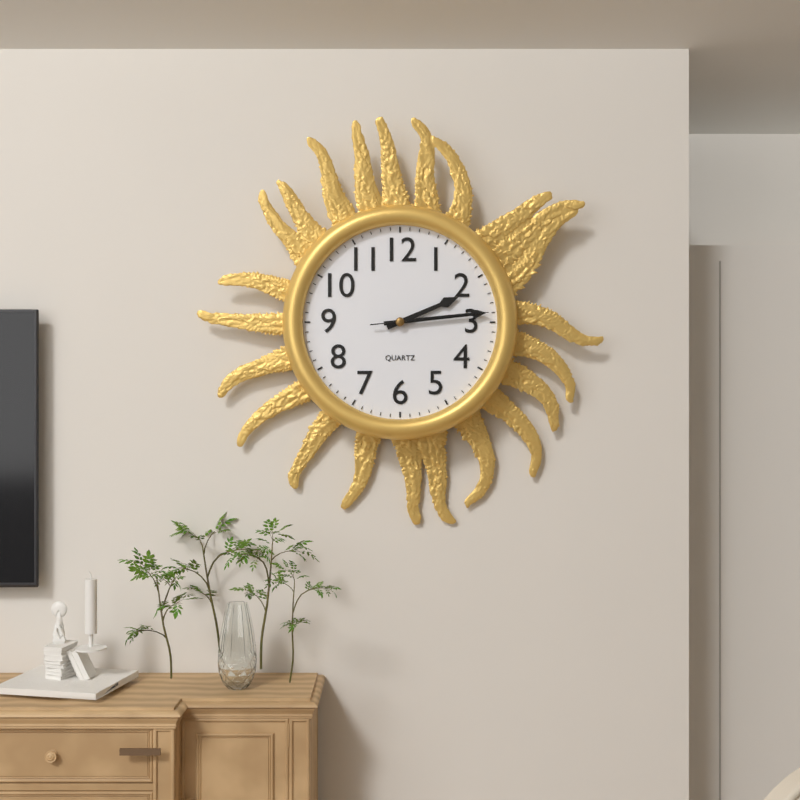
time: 2:14:14
